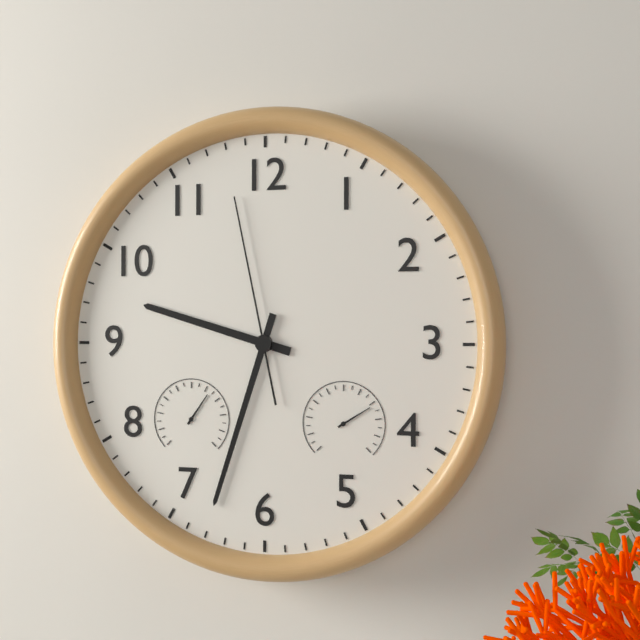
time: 9:33:58
